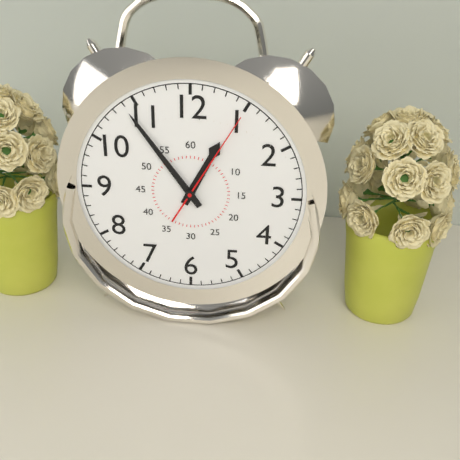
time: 12:54:05
